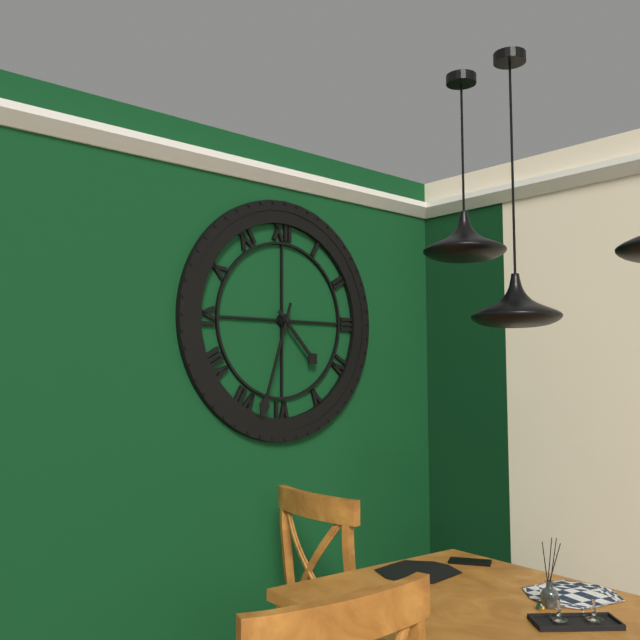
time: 4:33
